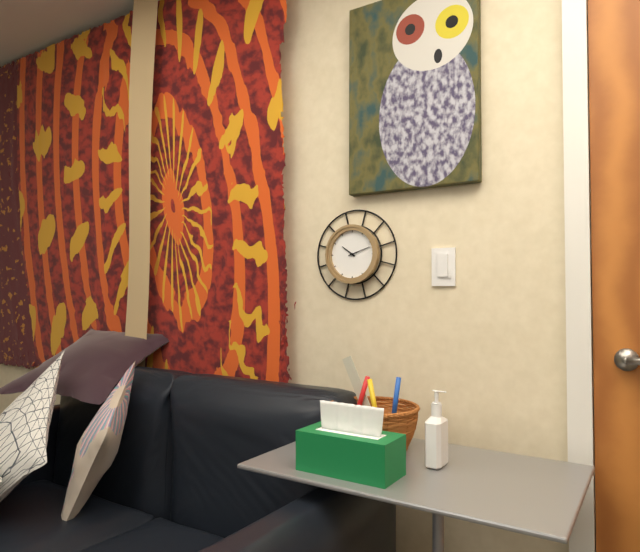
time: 10:12
